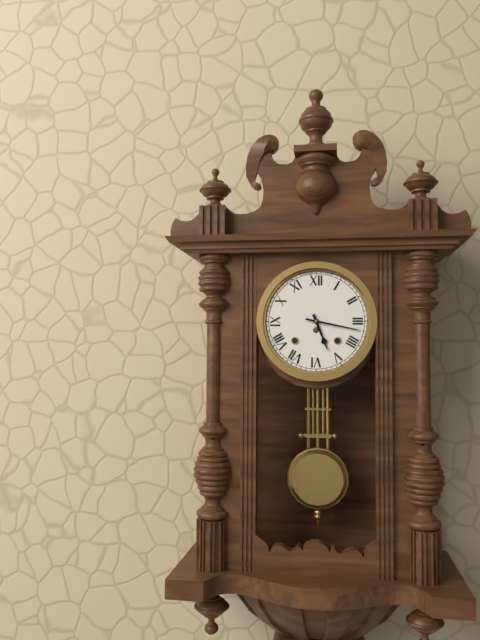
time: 5:17
